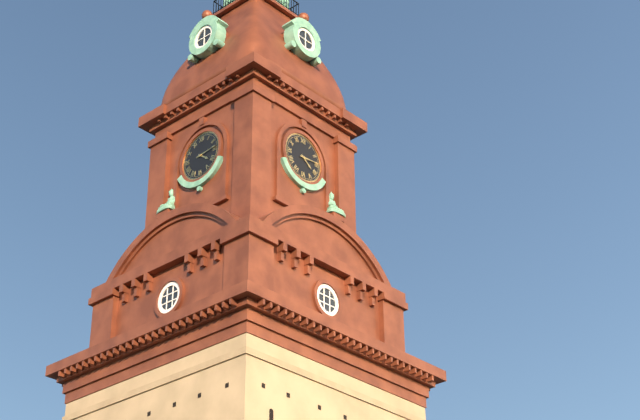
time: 4:14
